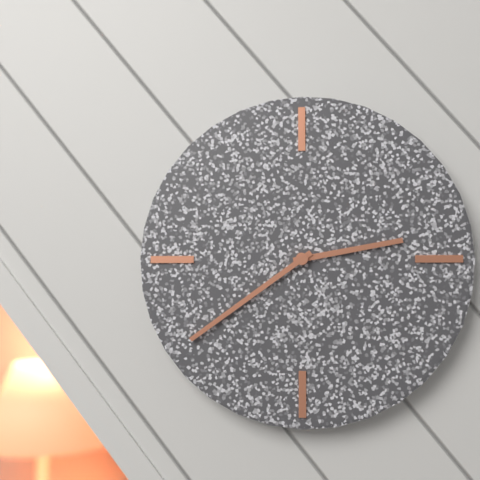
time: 2:39
